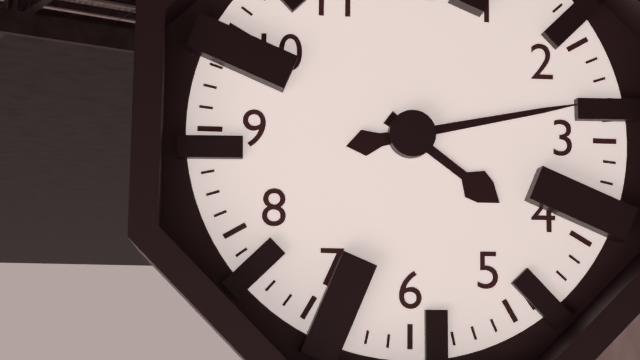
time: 4:13
